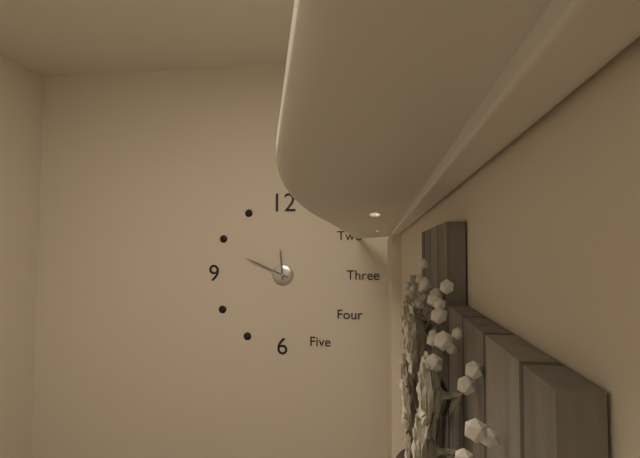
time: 11:49
